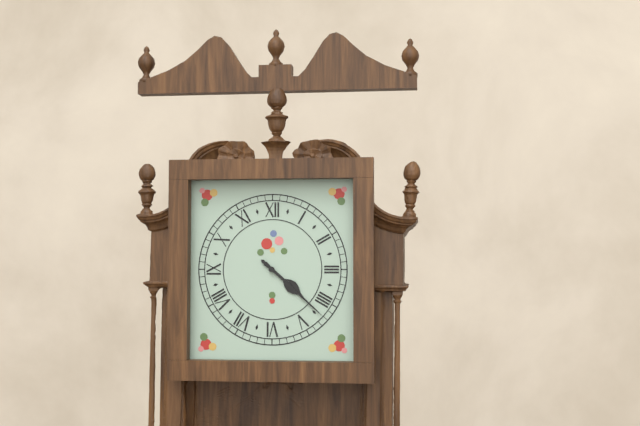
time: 4:22
